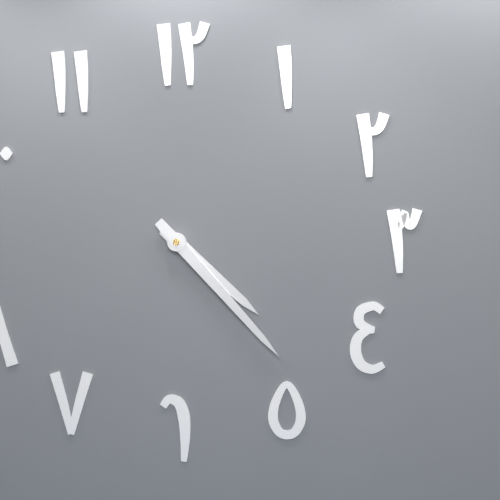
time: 4:23
